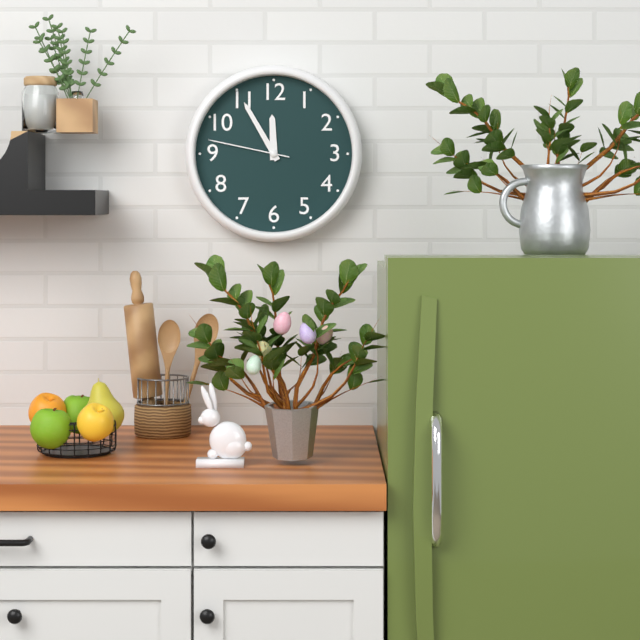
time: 11:55:47
